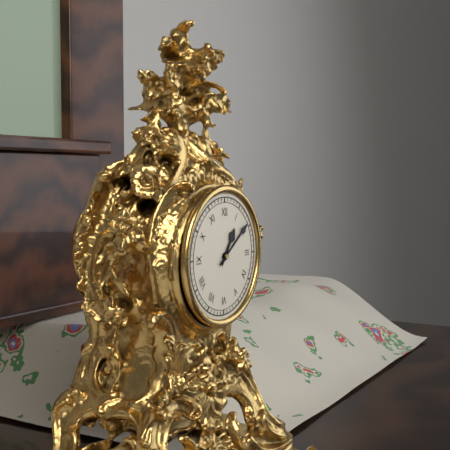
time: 1:09
